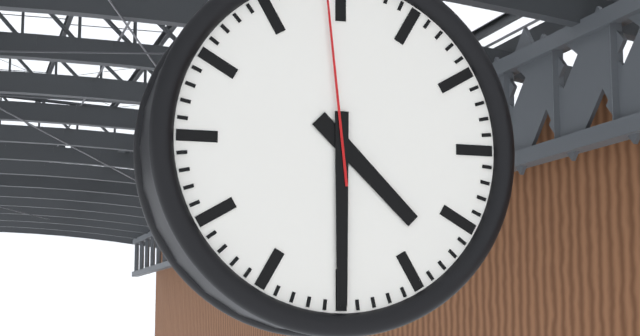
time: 4:30
